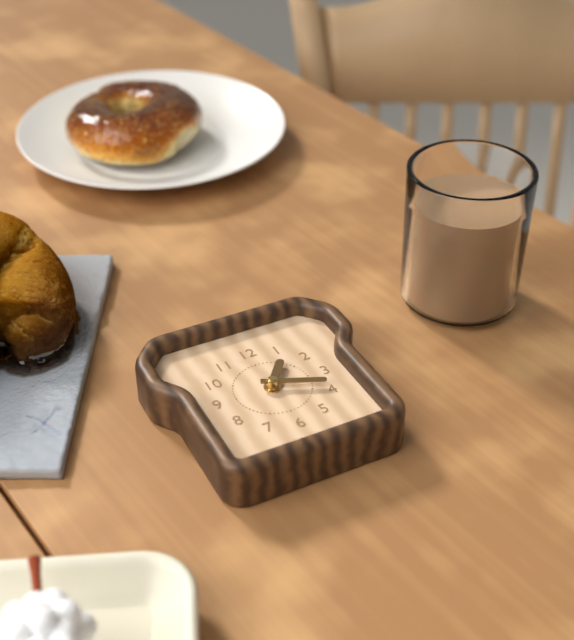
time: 1:19
